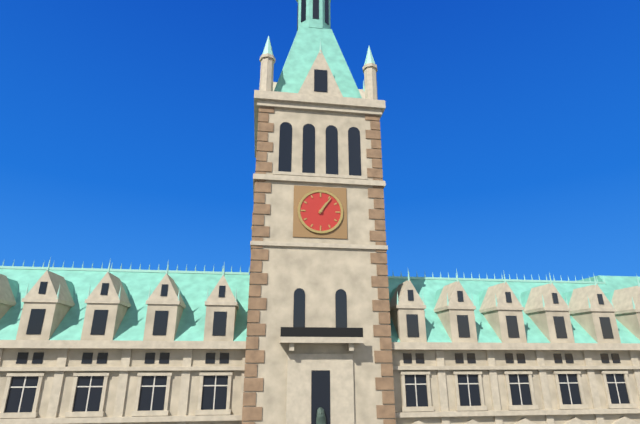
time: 1:06
